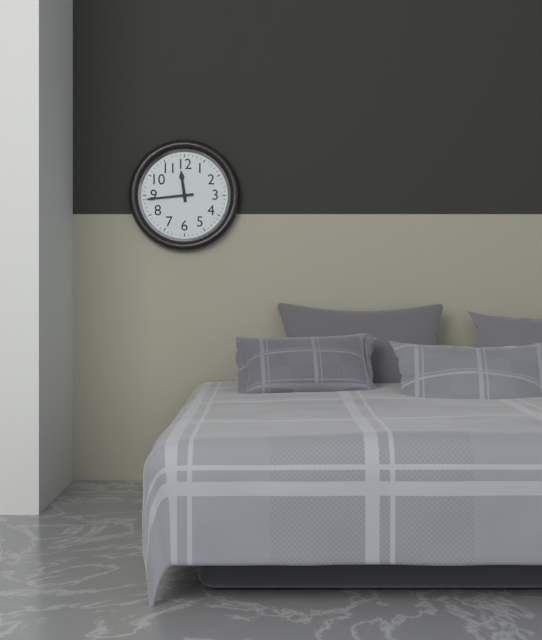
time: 11:44
